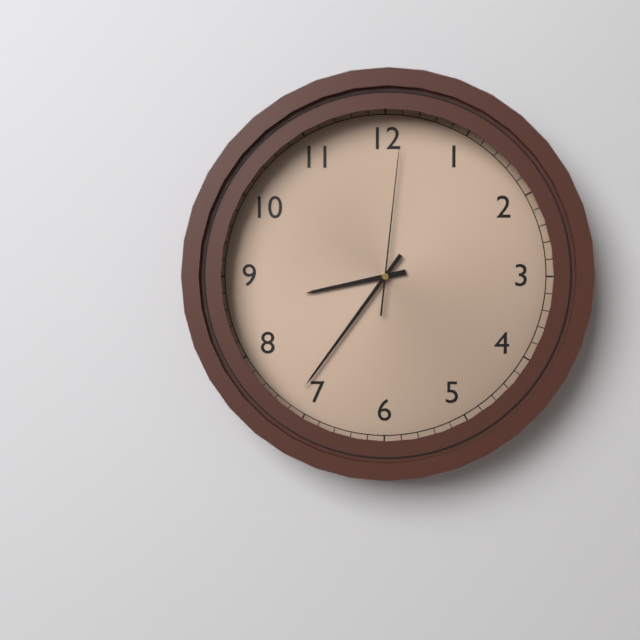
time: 8:36:01
